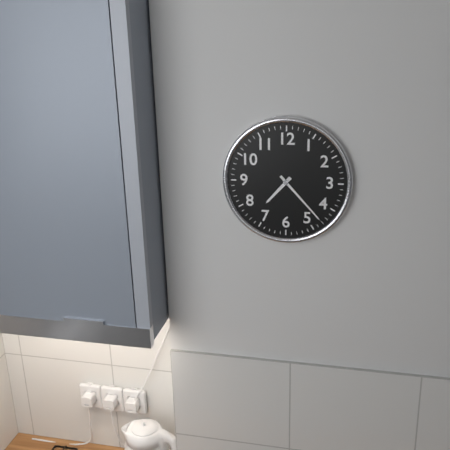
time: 7:23
